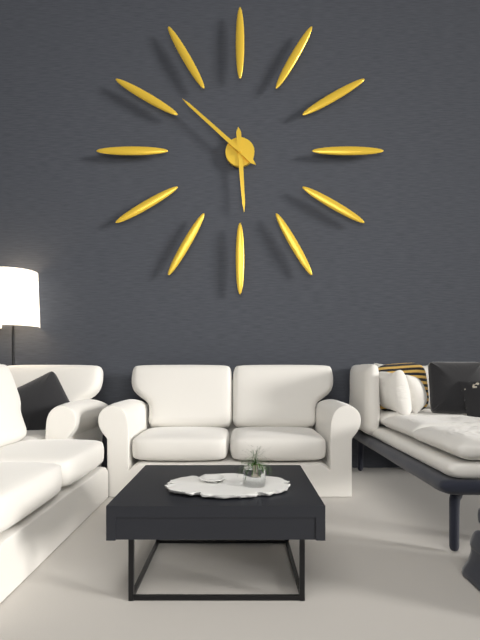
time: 5:52
